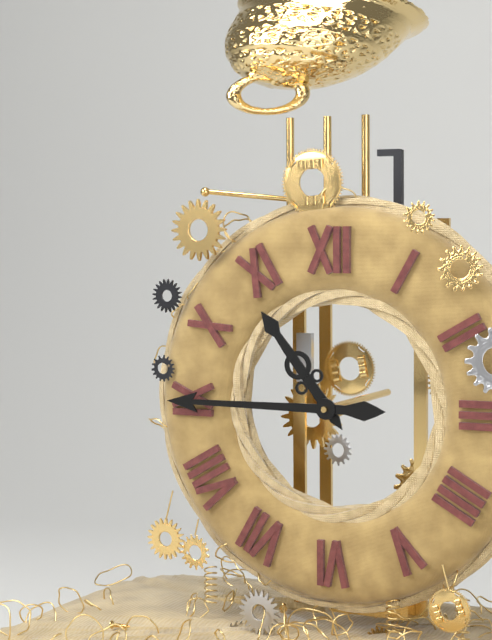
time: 10:45
